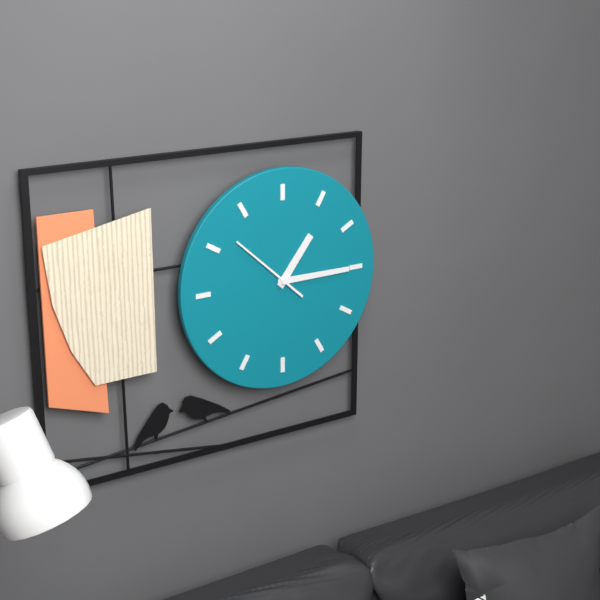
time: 1:15:52
